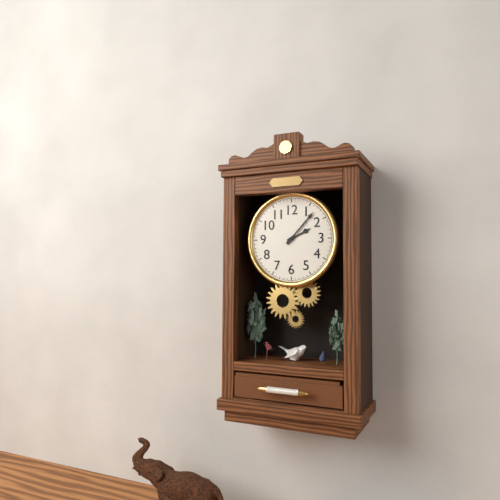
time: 2:07
